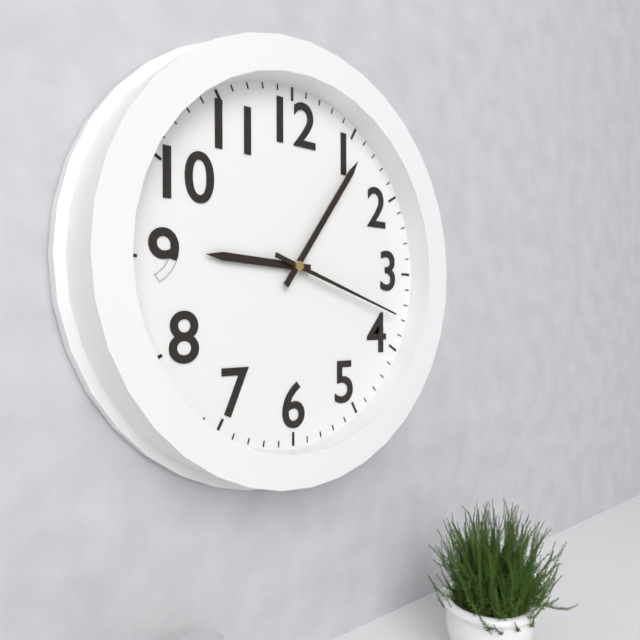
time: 9:06:18
